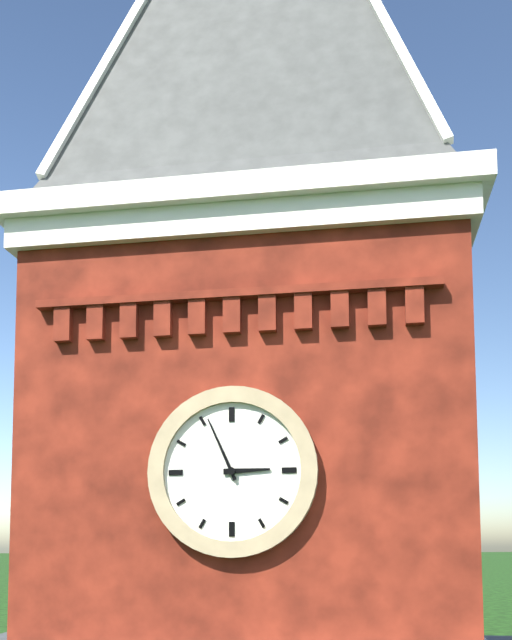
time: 2:56
